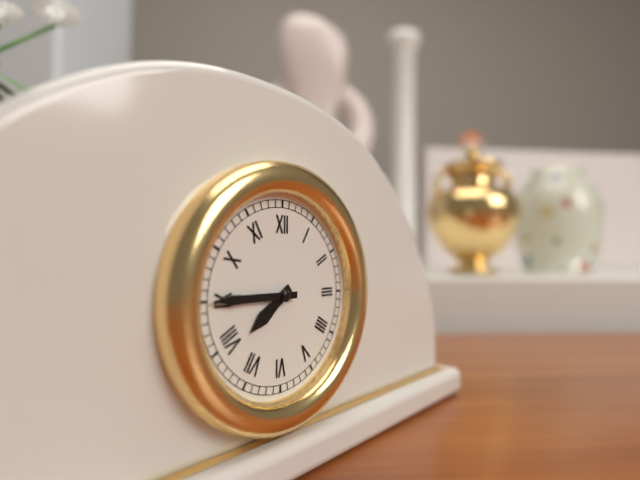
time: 7:45
